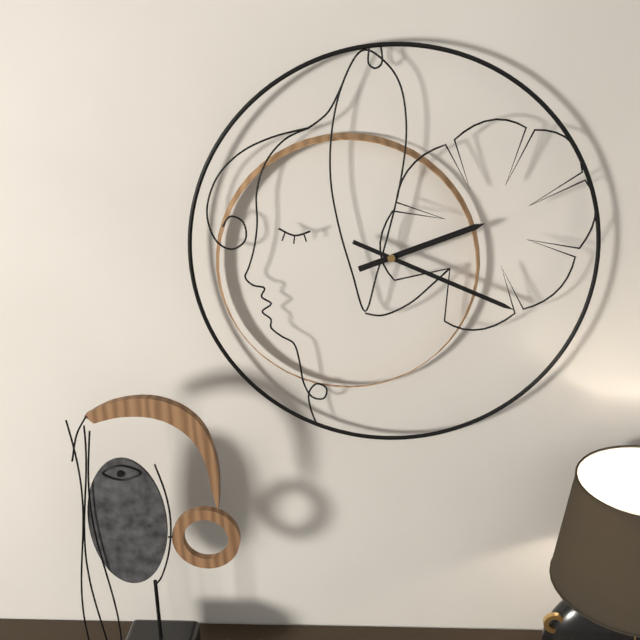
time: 2:19
